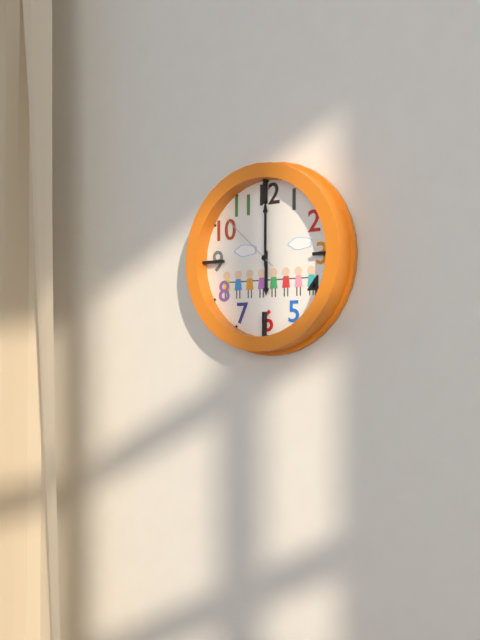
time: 6:00:52
